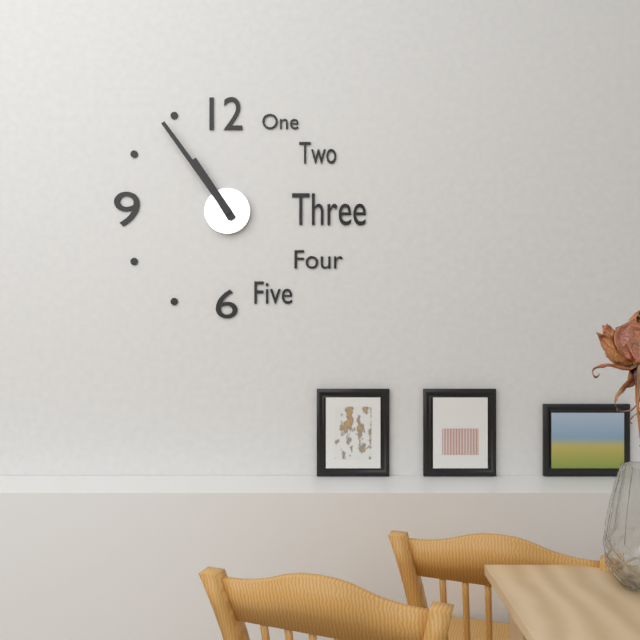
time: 10:54
